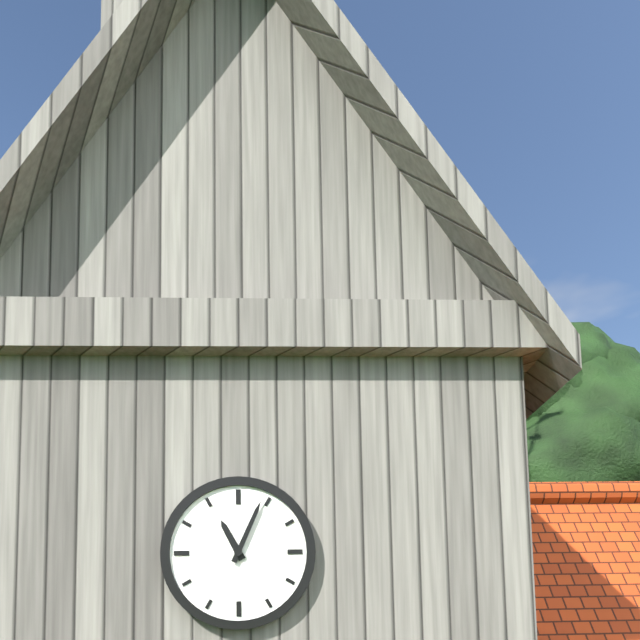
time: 11:04
